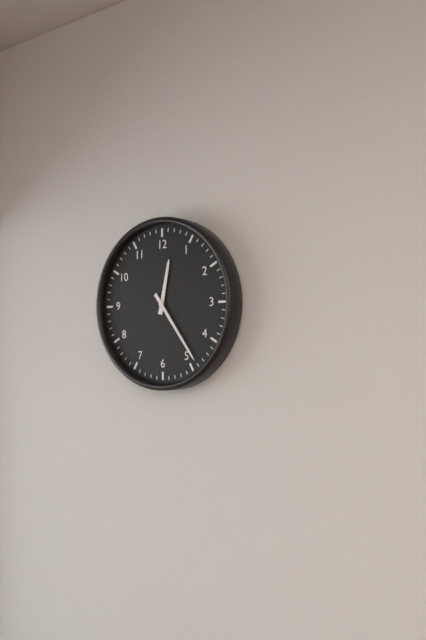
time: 12:24
